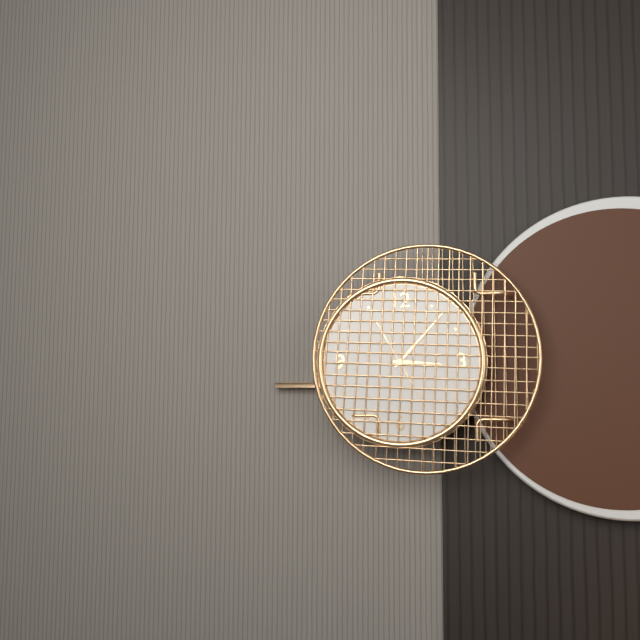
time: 3:07:25
